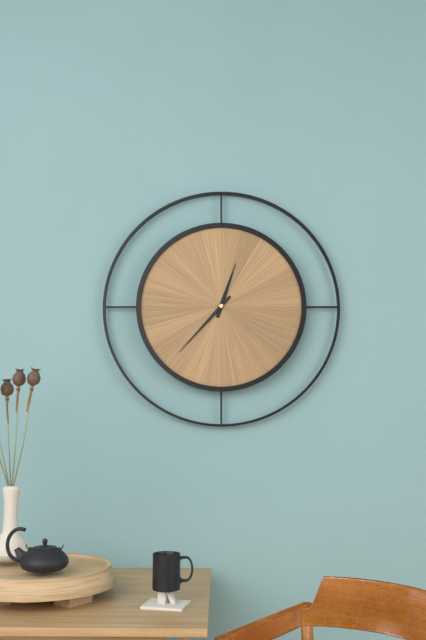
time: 12:37
